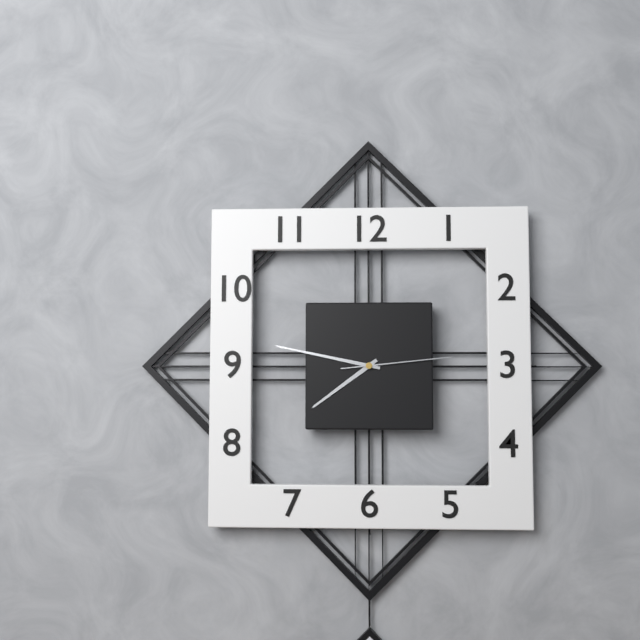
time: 7:47:14
